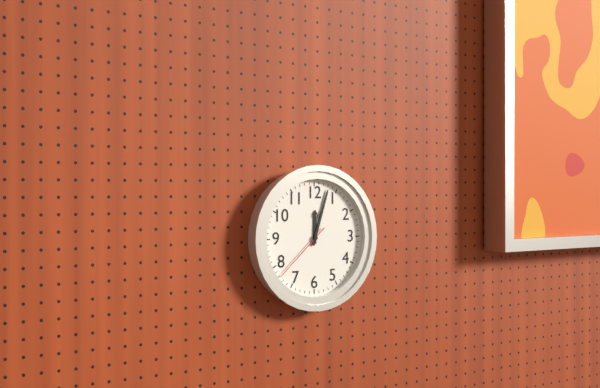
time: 12:03:38
